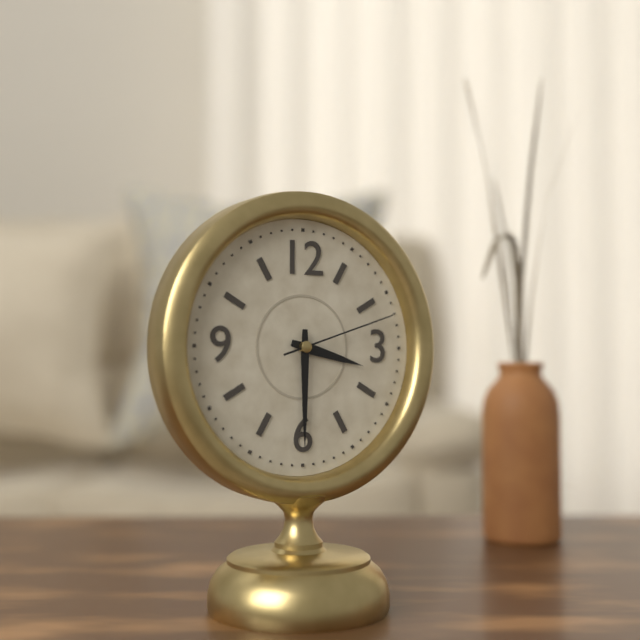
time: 3:30:12
